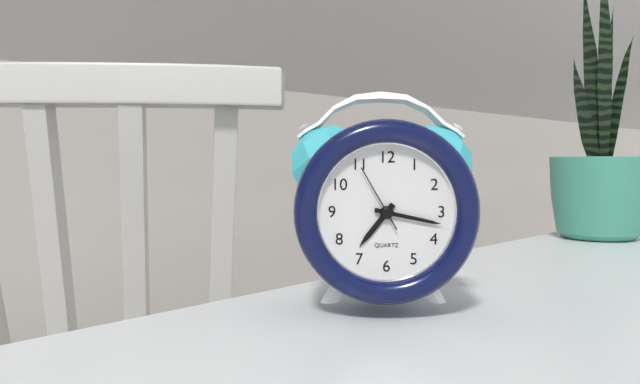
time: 7:17:55
